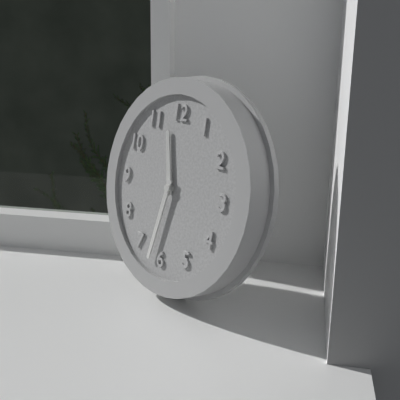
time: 11:32
